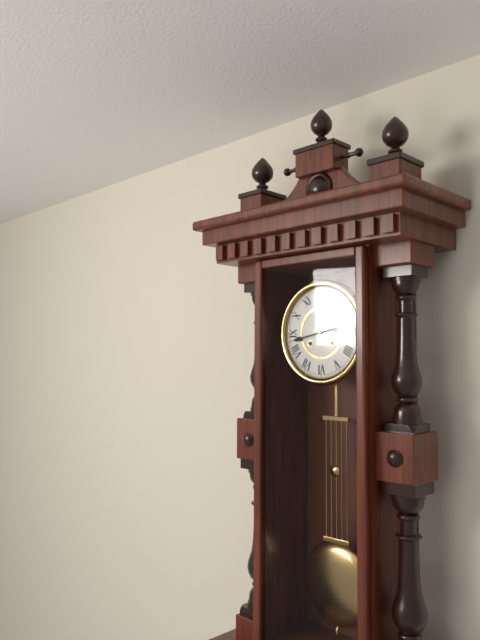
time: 2:43
